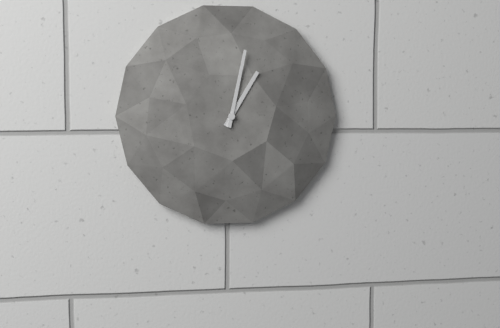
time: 1:02
